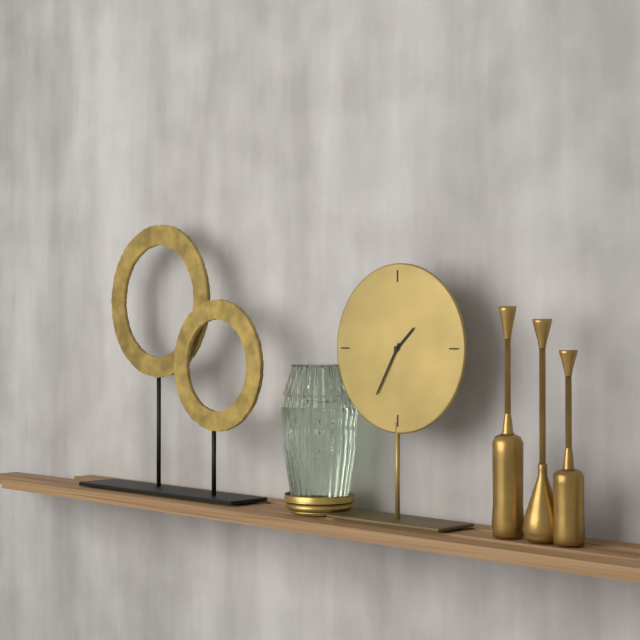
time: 1:35
